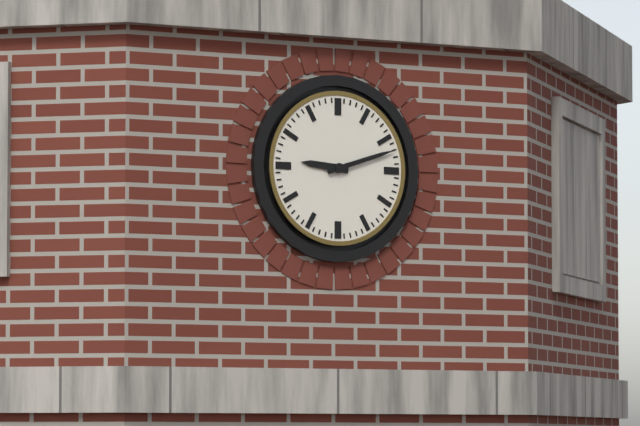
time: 9:12
